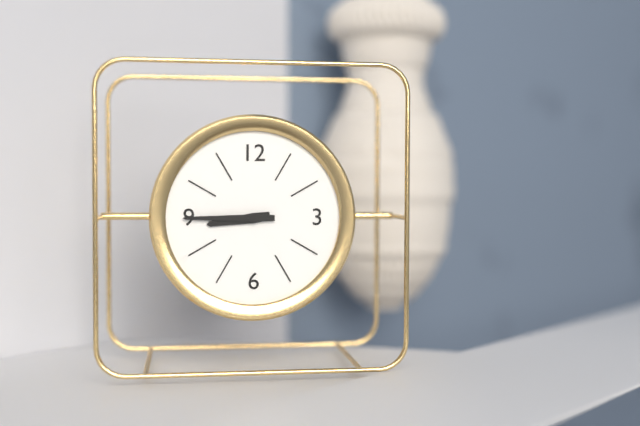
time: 8:45
